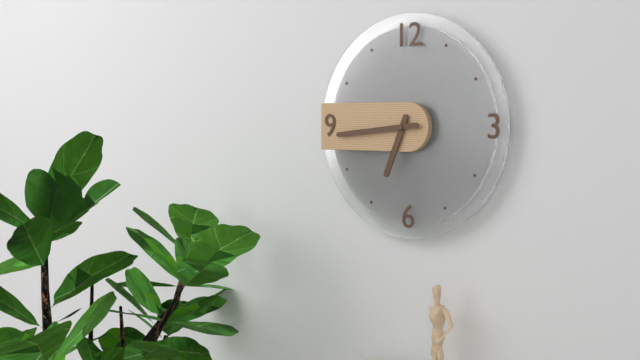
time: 6:44
